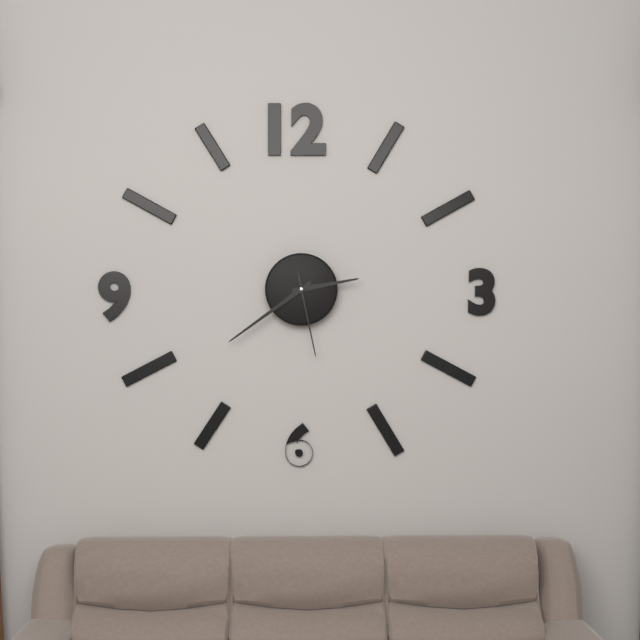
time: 2:39:28
